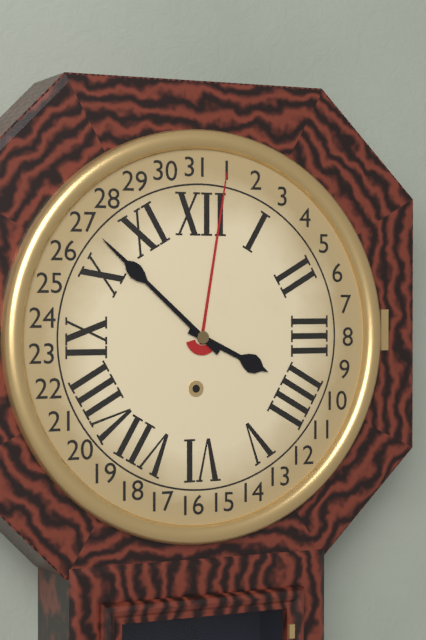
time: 3:52
